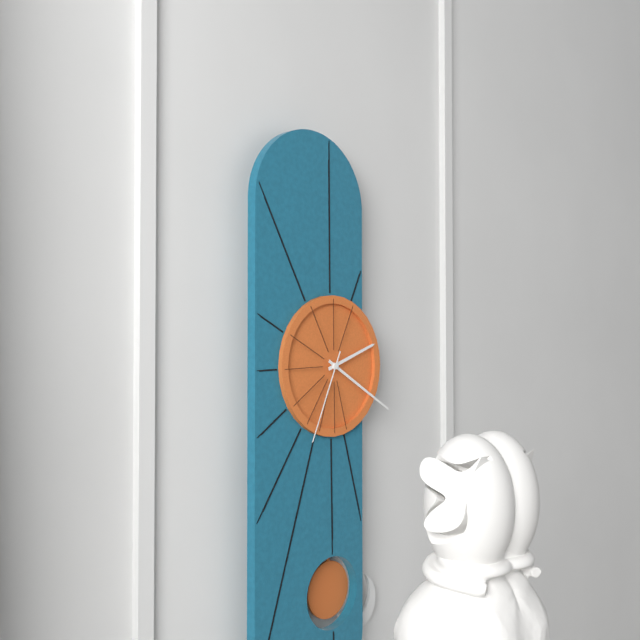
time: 2:20:34
